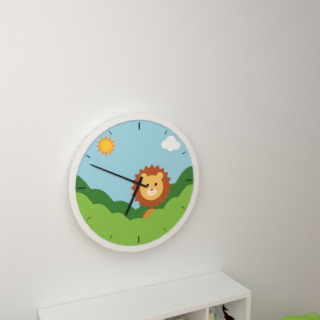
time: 6:49
